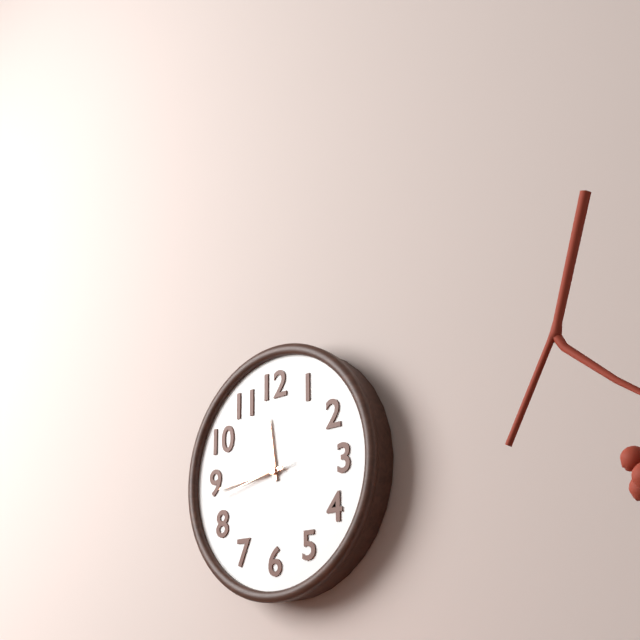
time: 11:44:43
